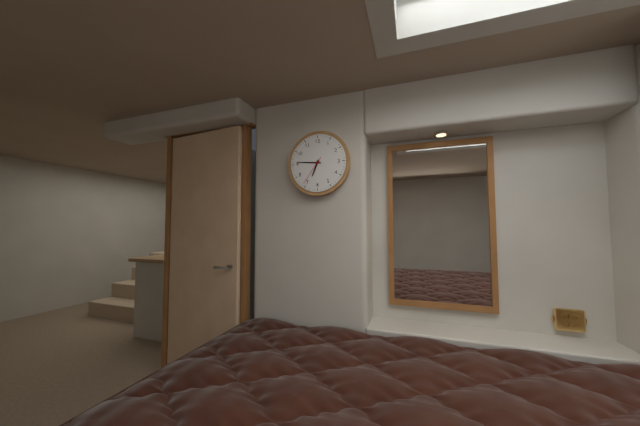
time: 6:46
